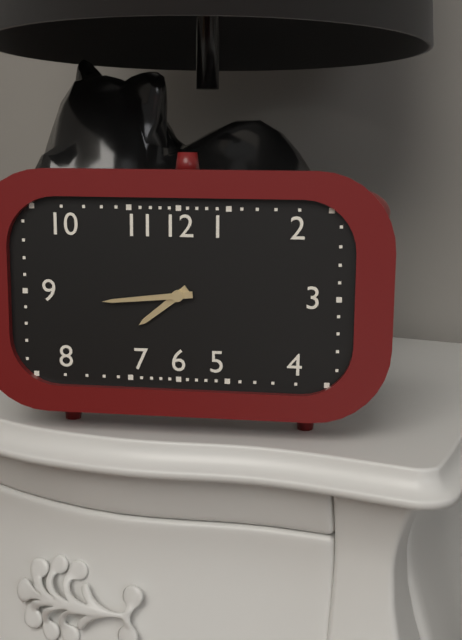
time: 7:44
